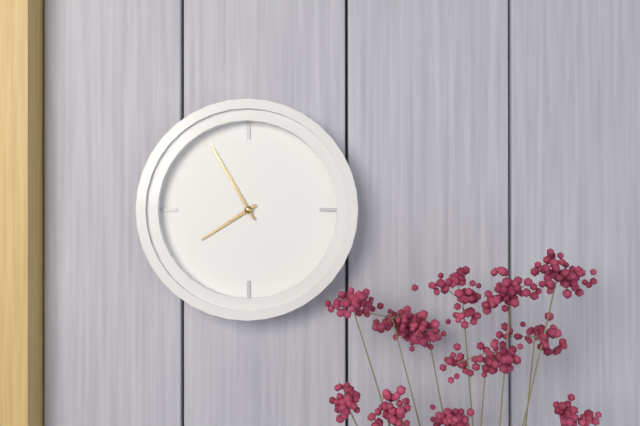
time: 7:55
